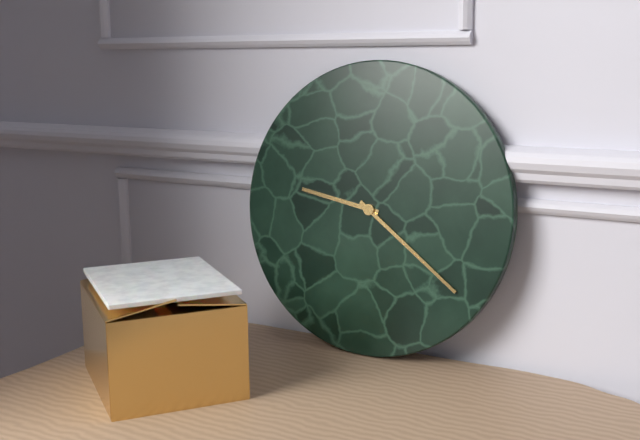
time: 9:21
